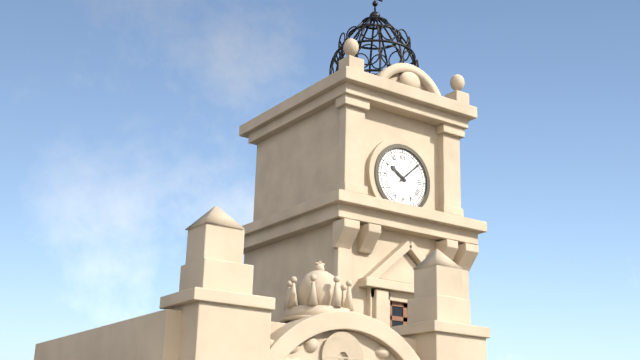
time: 10:08
